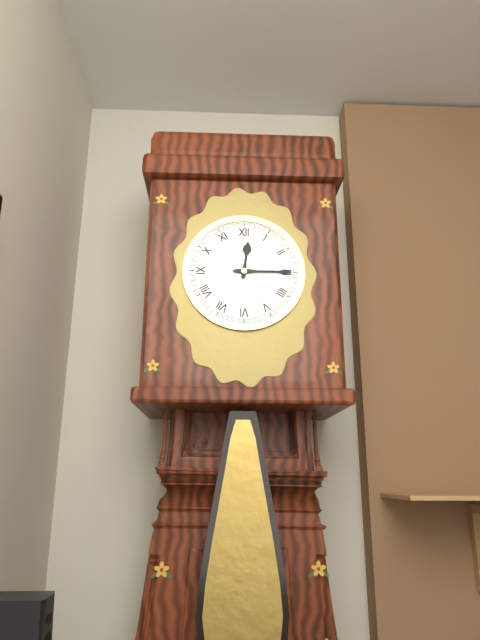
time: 12:15
